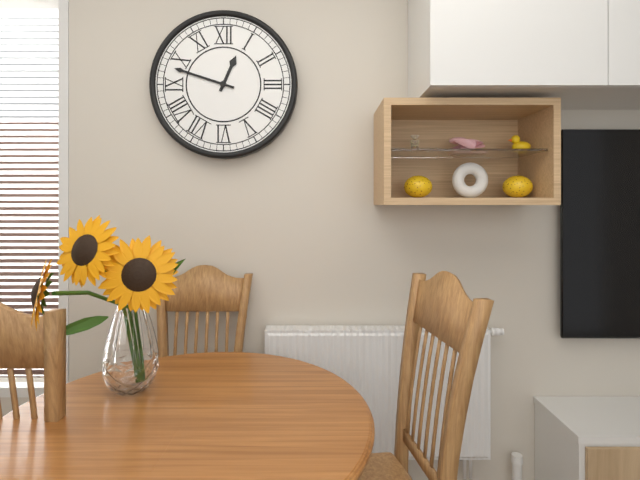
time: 12:48
